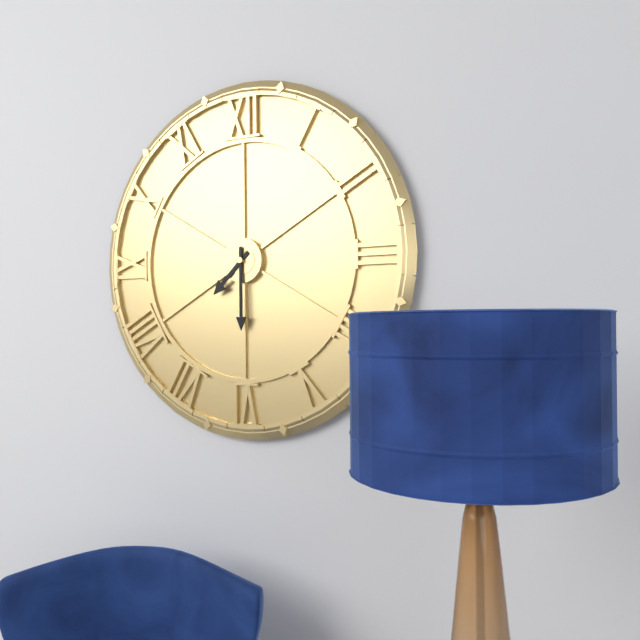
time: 7:30
